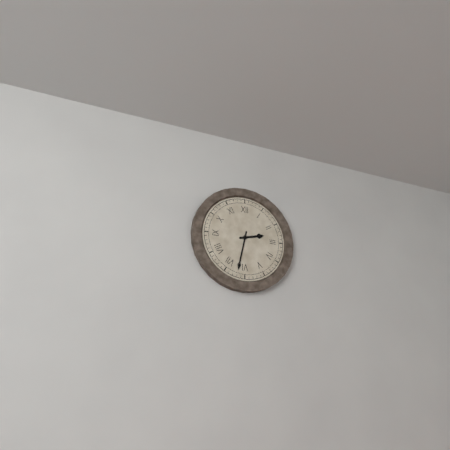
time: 2:32
